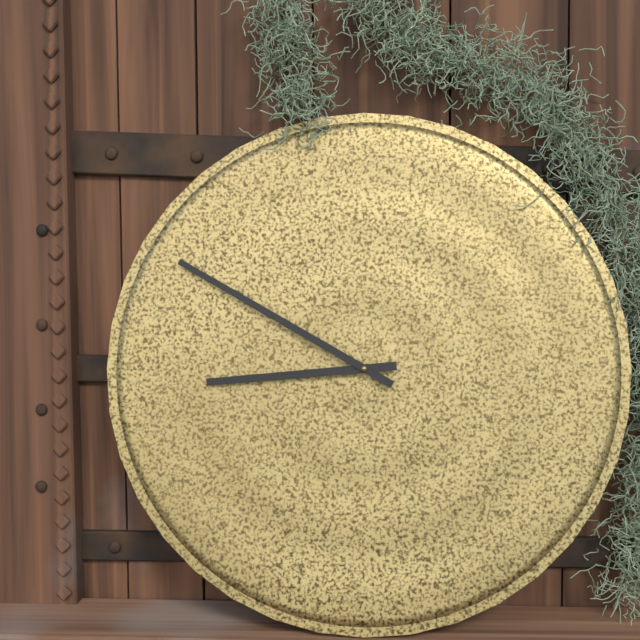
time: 8:50
